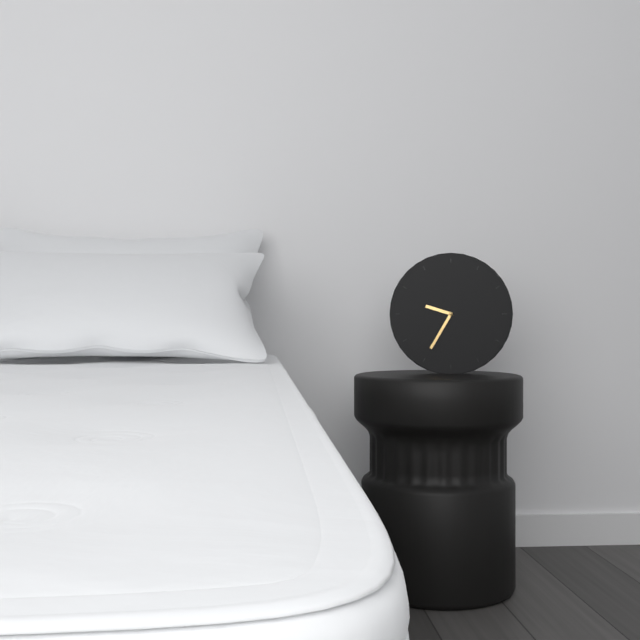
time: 9:35
